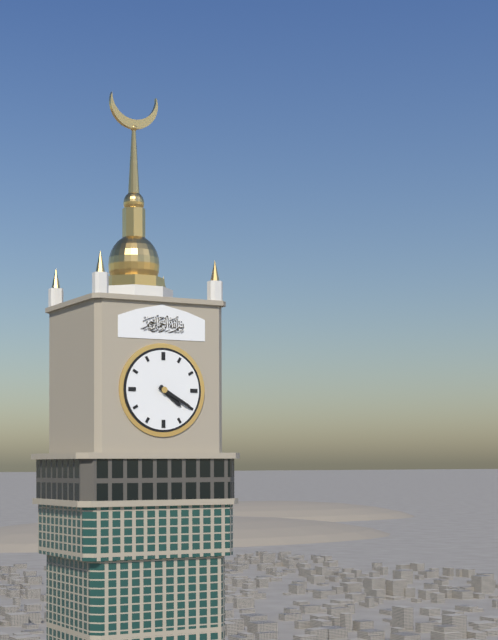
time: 4:20
